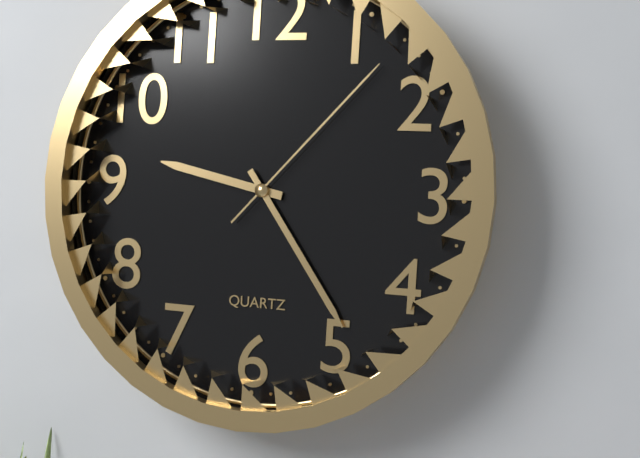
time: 9:24:07
